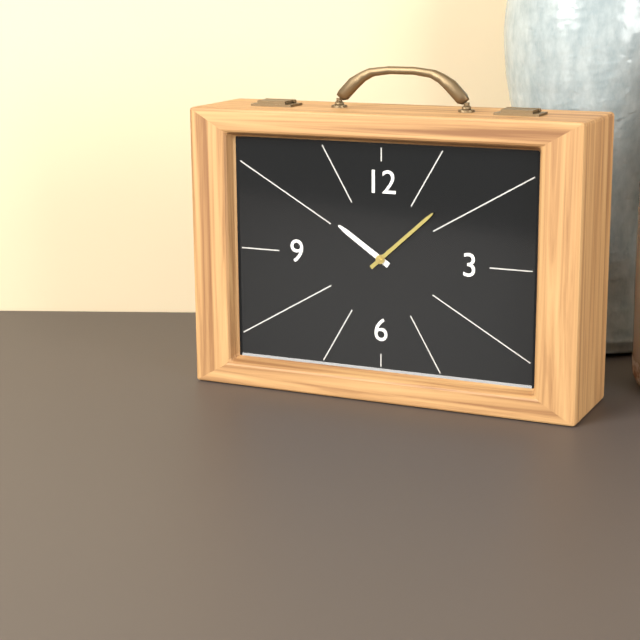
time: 10:08
